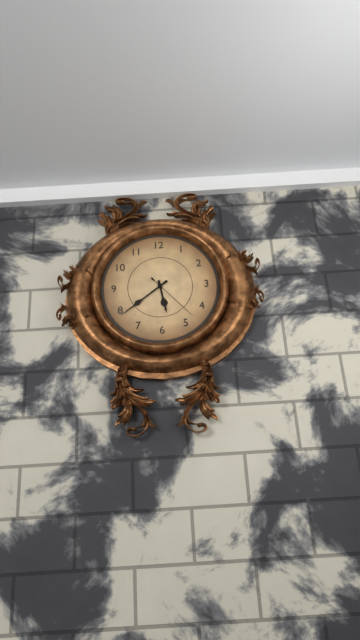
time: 5:39:23
